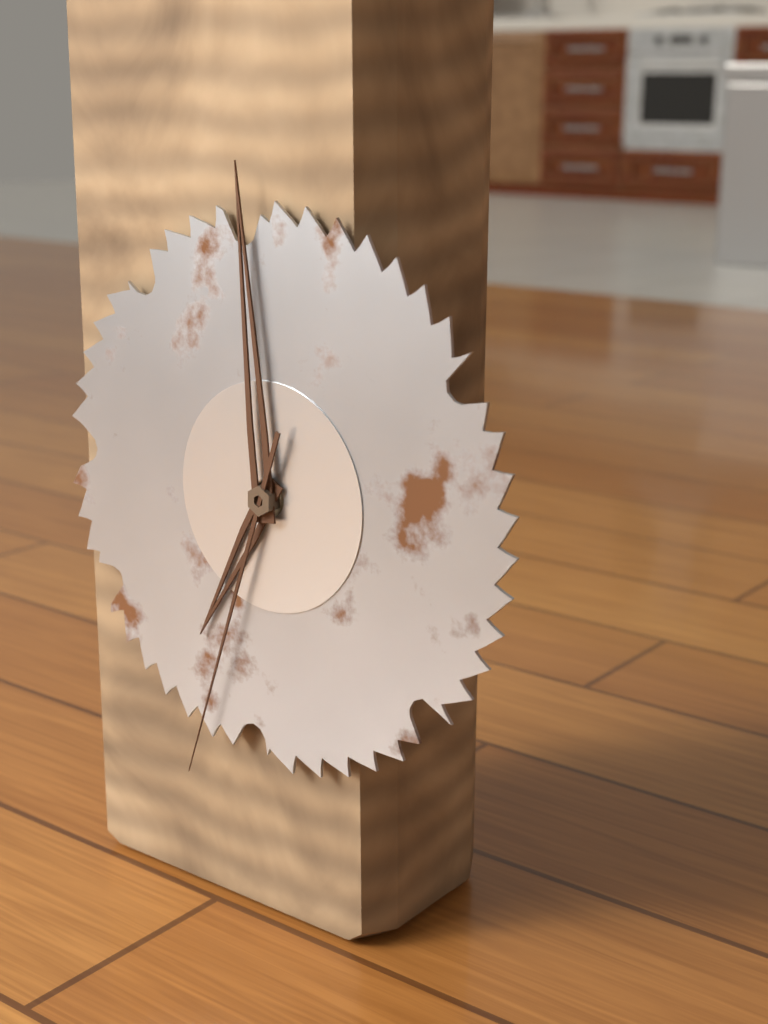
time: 6:59:33
